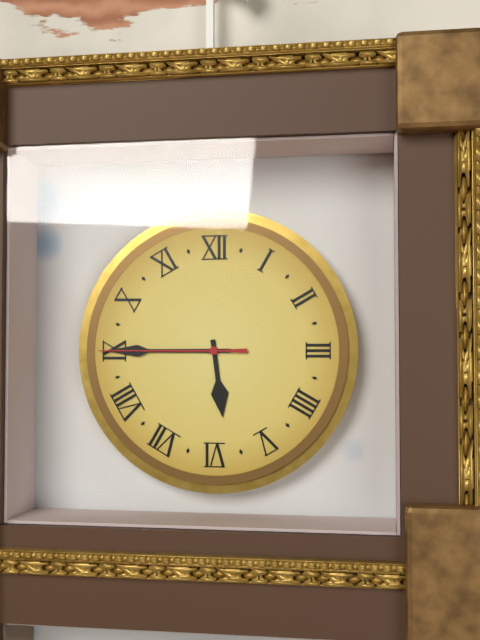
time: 5:45:45
